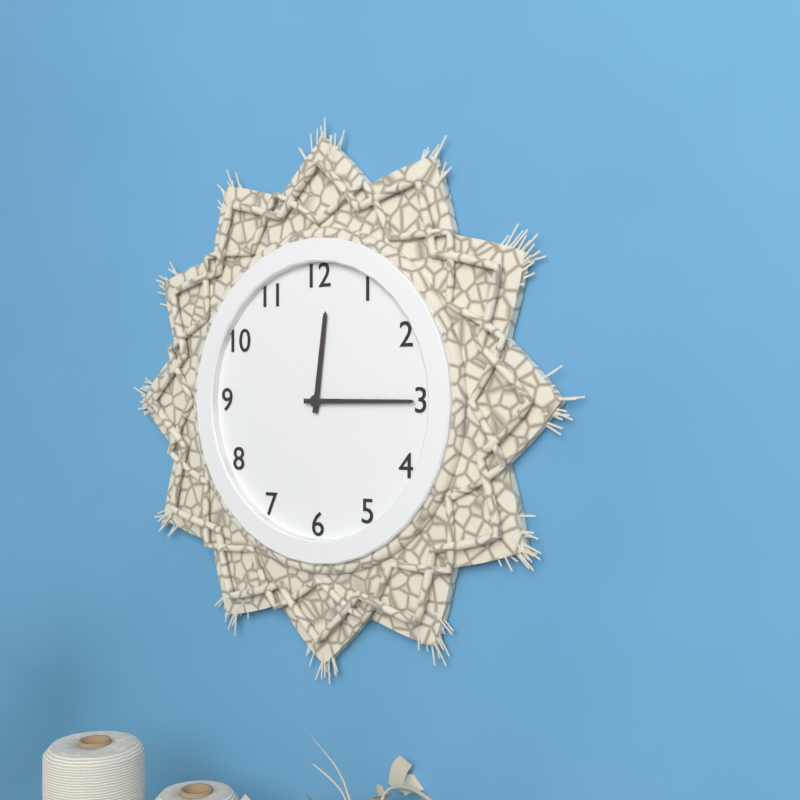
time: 12:15
